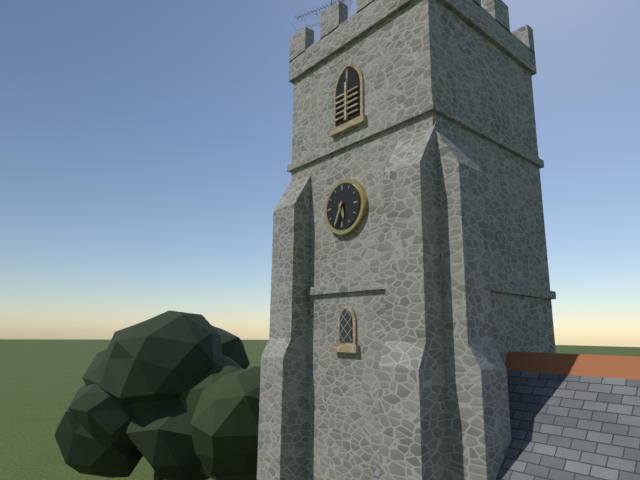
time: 5:34
